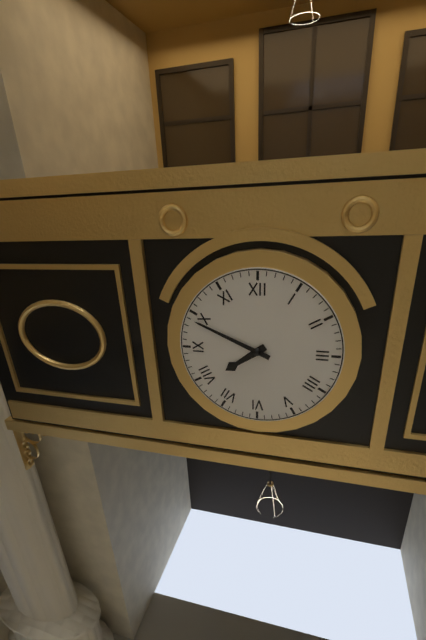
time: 7:49
